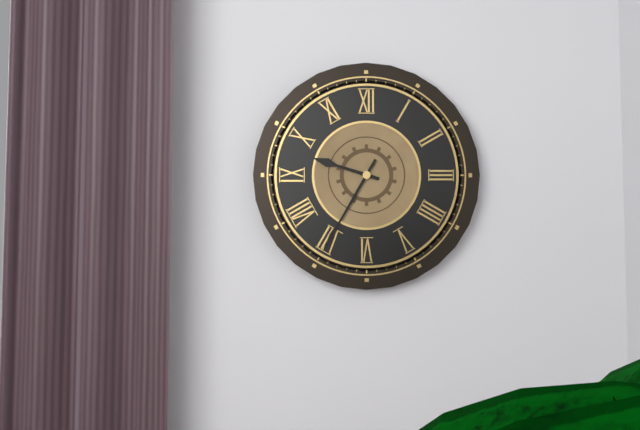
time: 9:35
